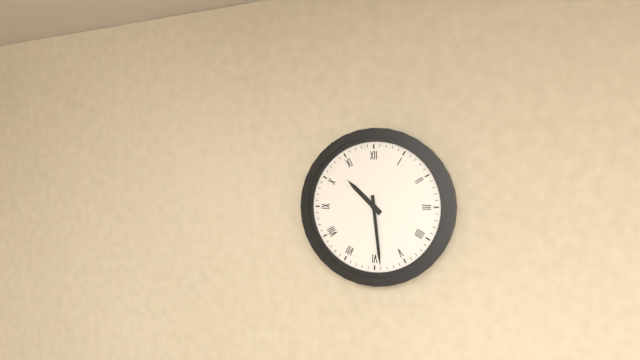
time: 10:29
